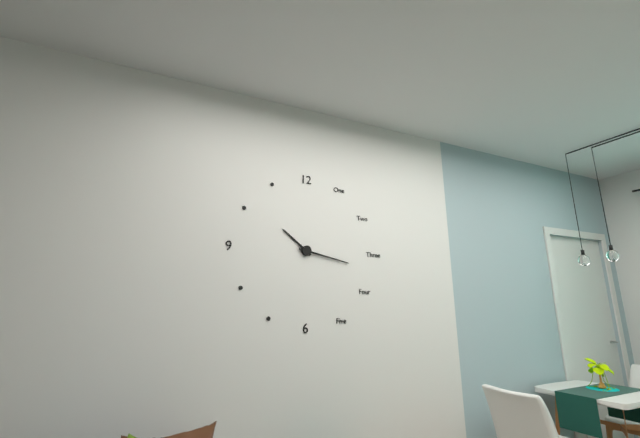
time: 10:17
